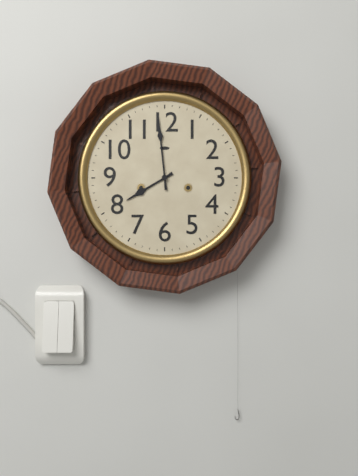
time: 7:59
